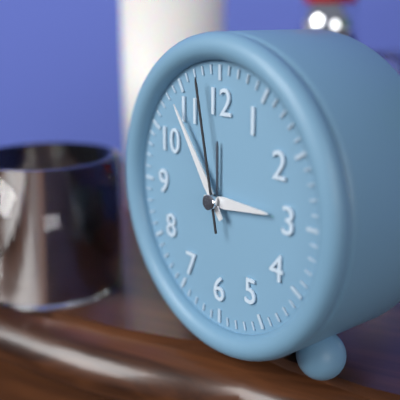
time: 2:54:58
